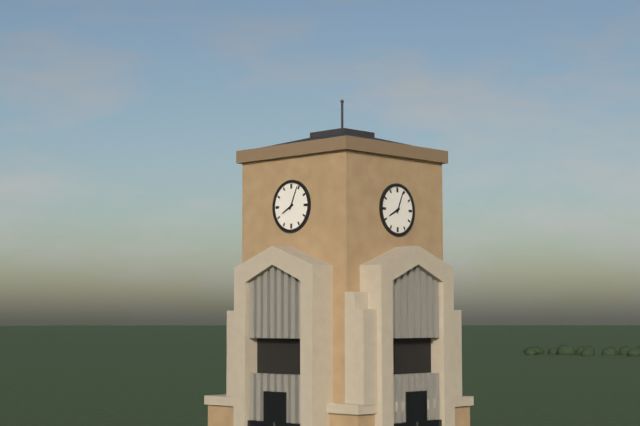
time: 8:04
